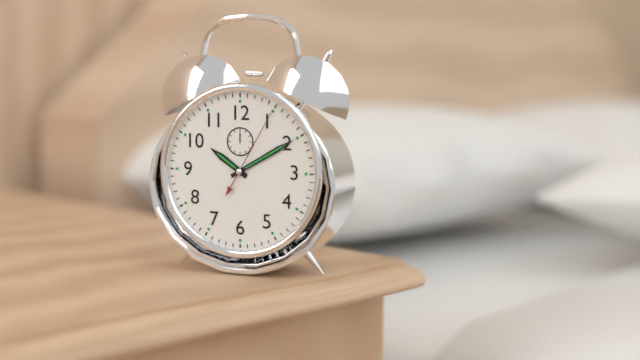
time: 10:10:05
